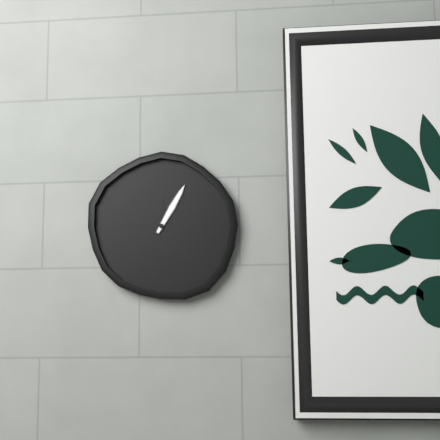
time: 12:05
